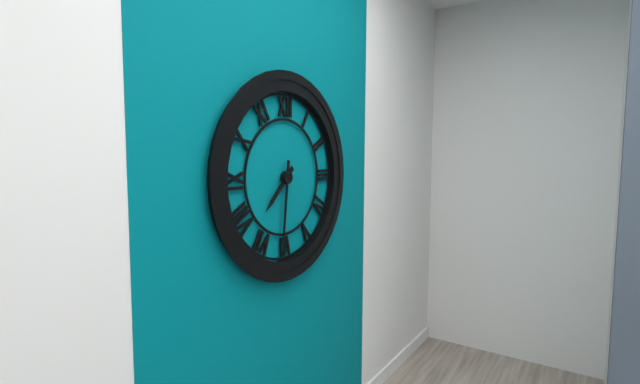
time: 7:31
